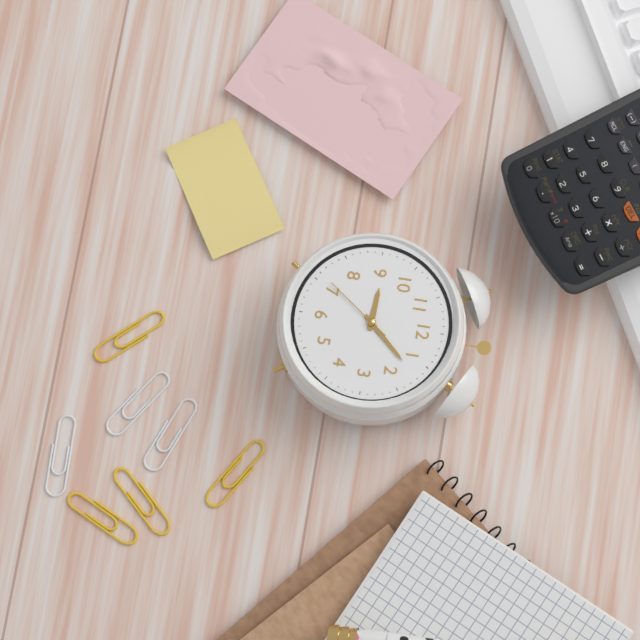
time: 9:07:36
